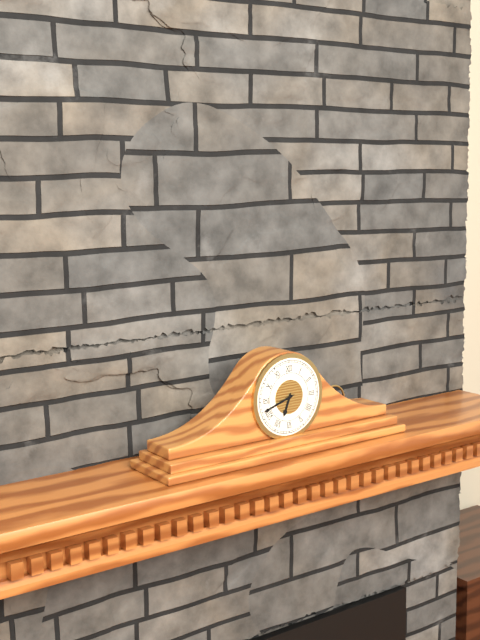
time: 6:42
